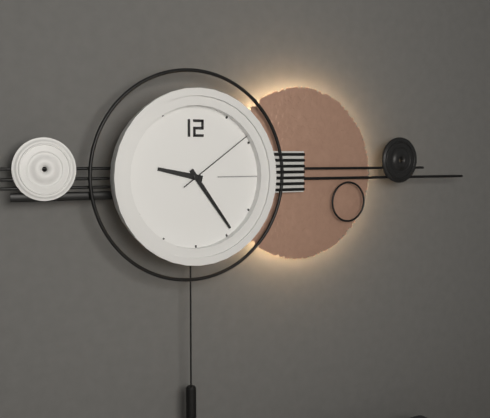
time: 9:24:09
